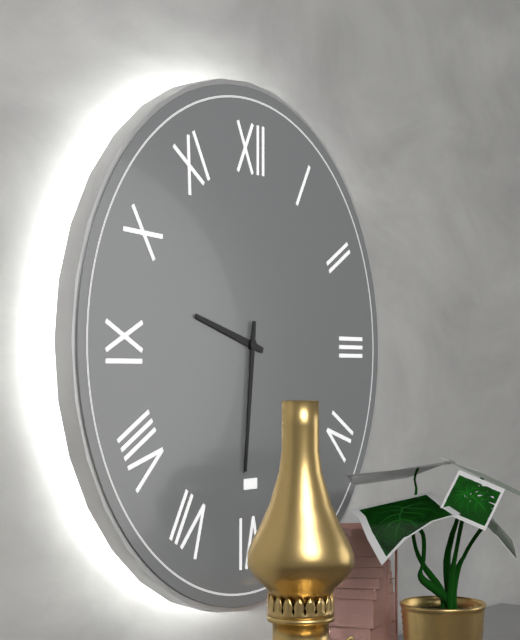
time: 9:31
